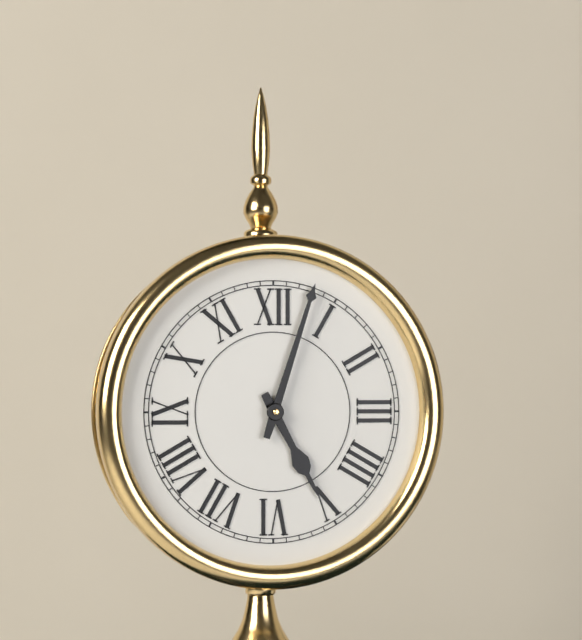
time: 5:03
